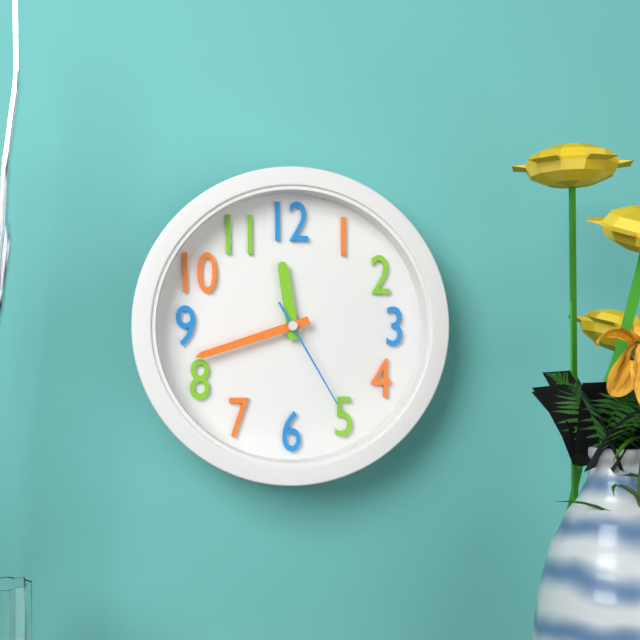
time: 11:42:25
